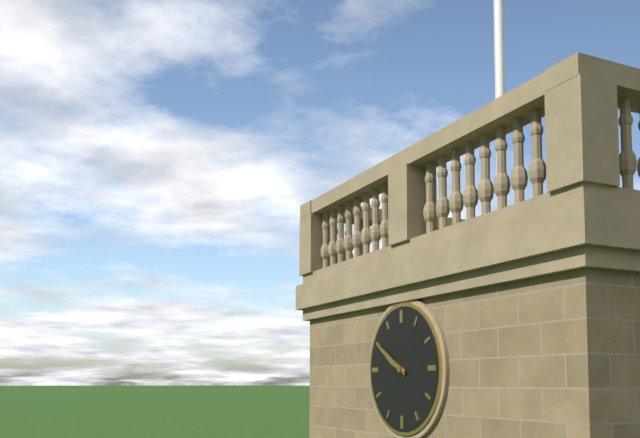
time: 9:50
